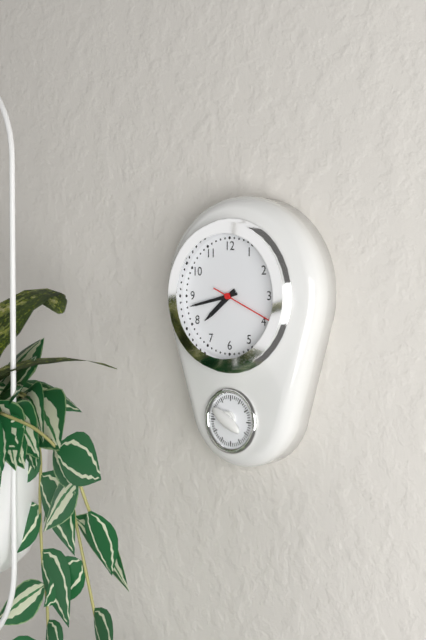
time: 7:43:19
